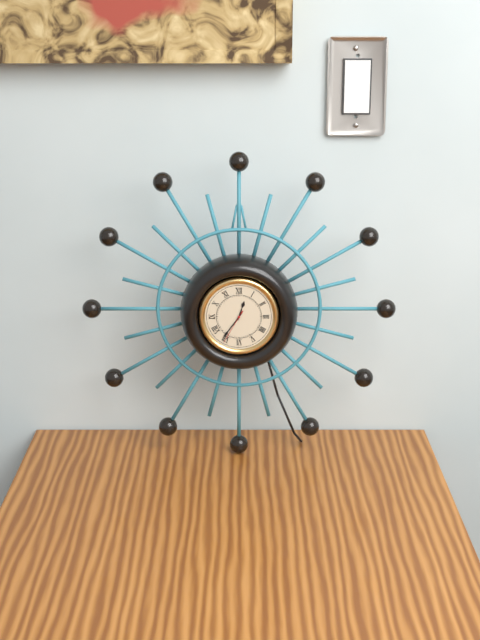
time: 12:36
